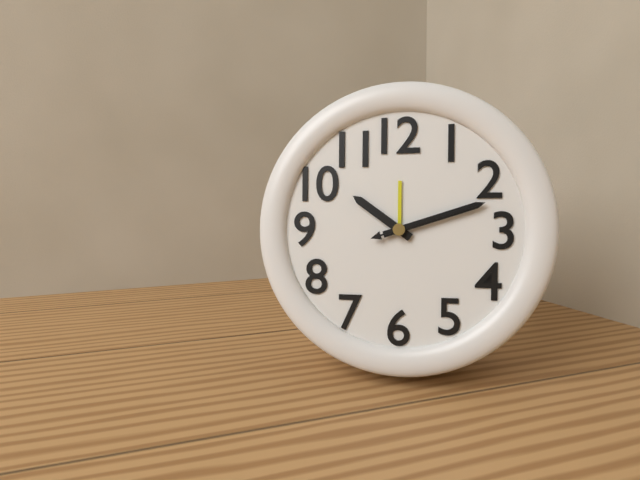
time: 10:12:12
